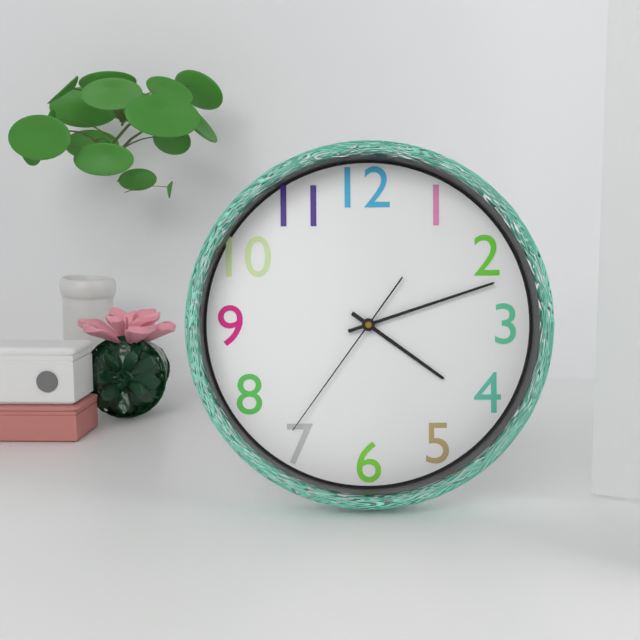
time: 4:12:36
